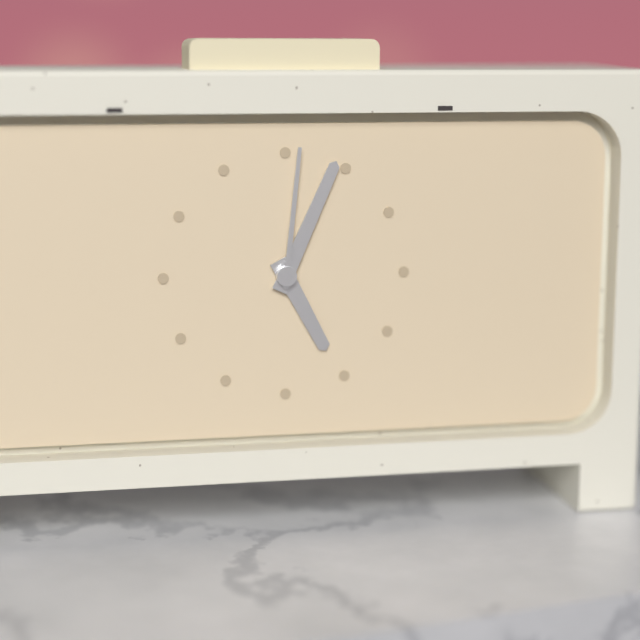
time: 5:04:01
